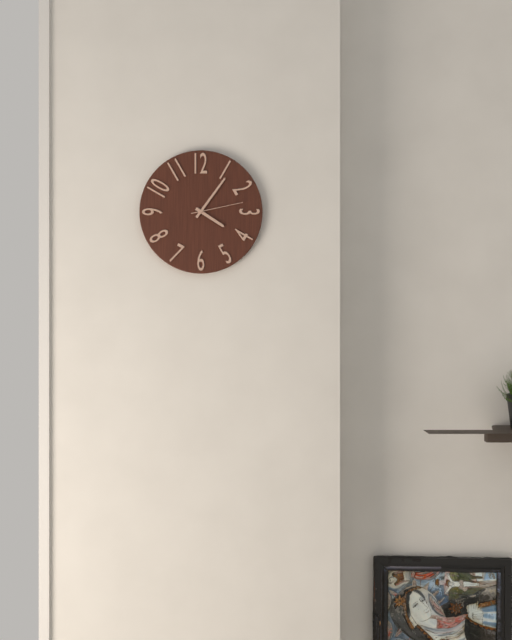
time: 4:06:13
